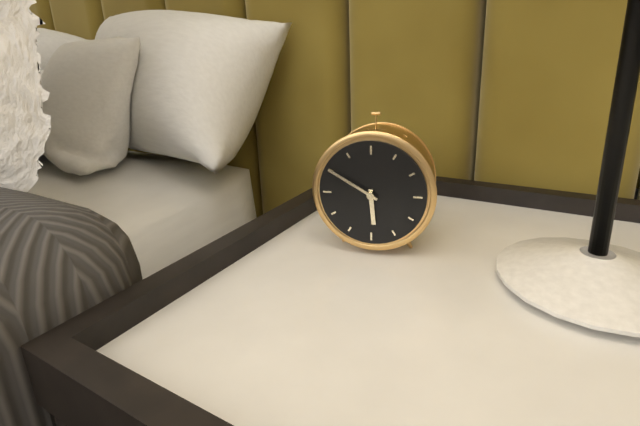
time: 5:50
